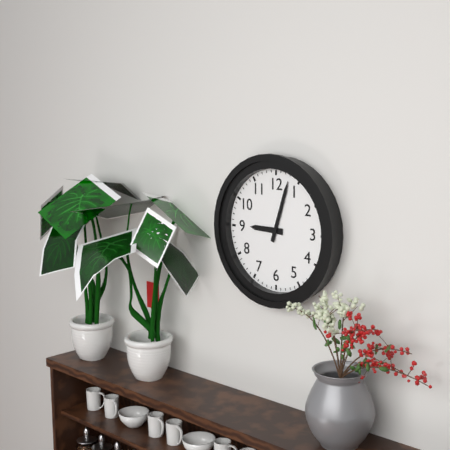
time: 9:03
